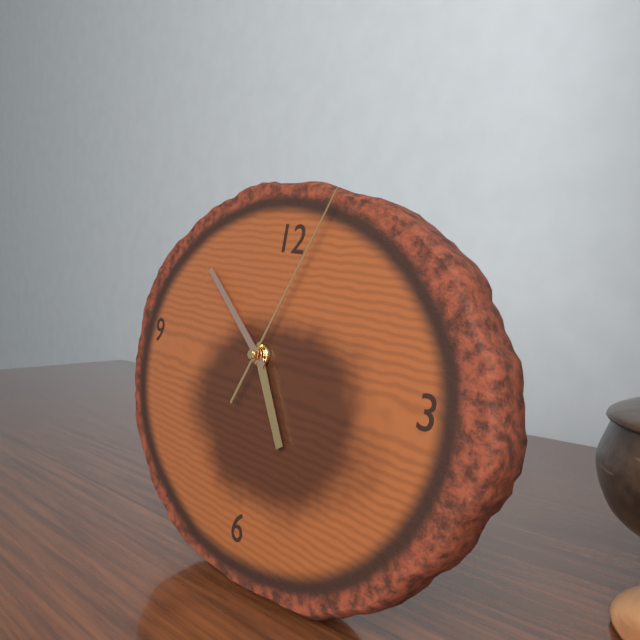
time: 4:51:04
